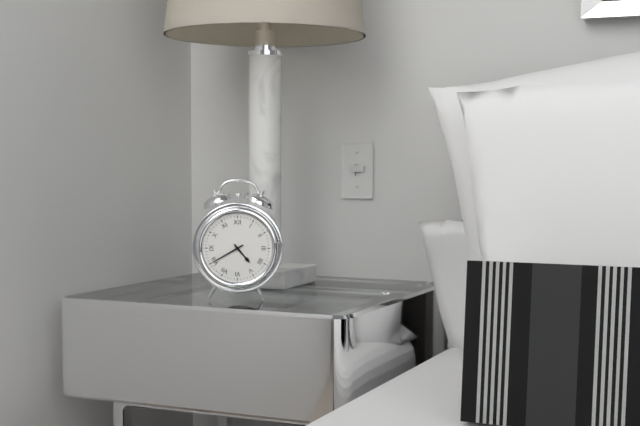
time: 4:40
